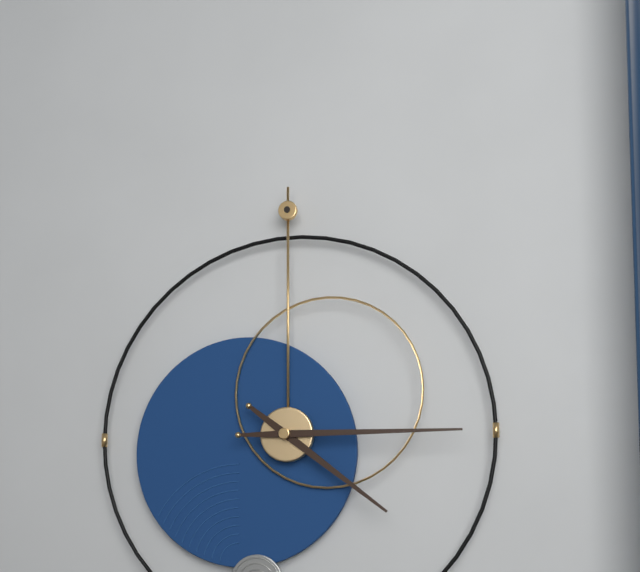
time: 4:15
